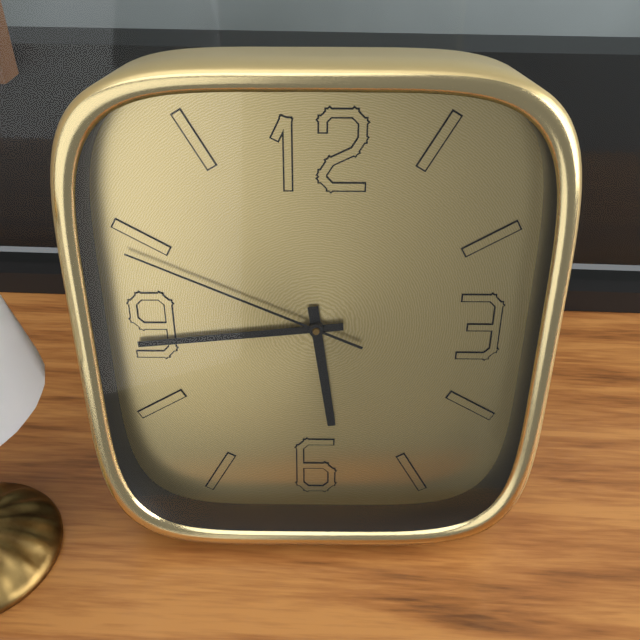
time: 5:44:49
